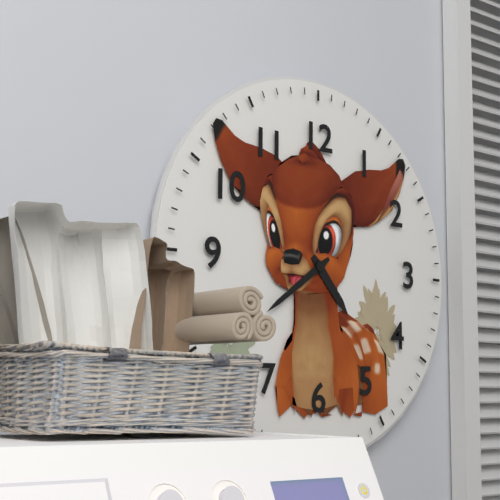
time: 4:39
